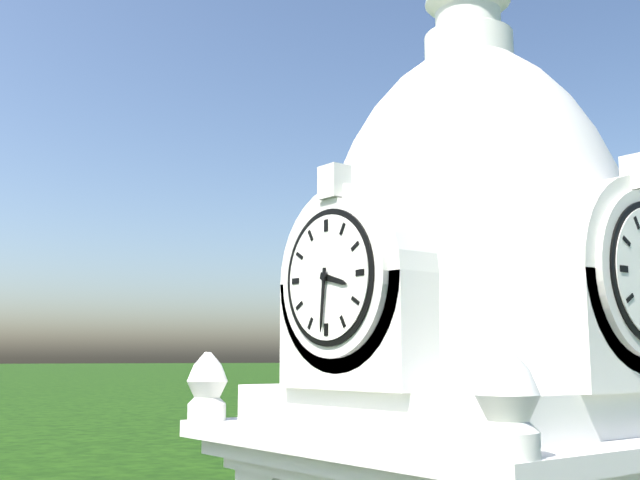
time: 3:31
